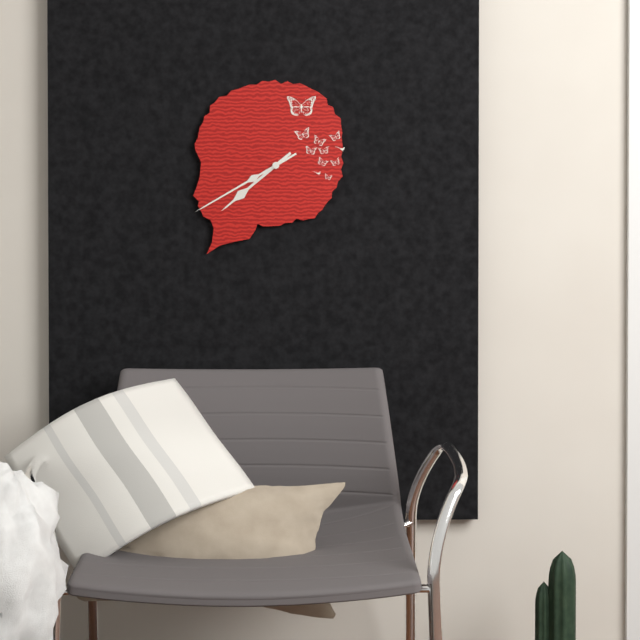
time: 7:40
